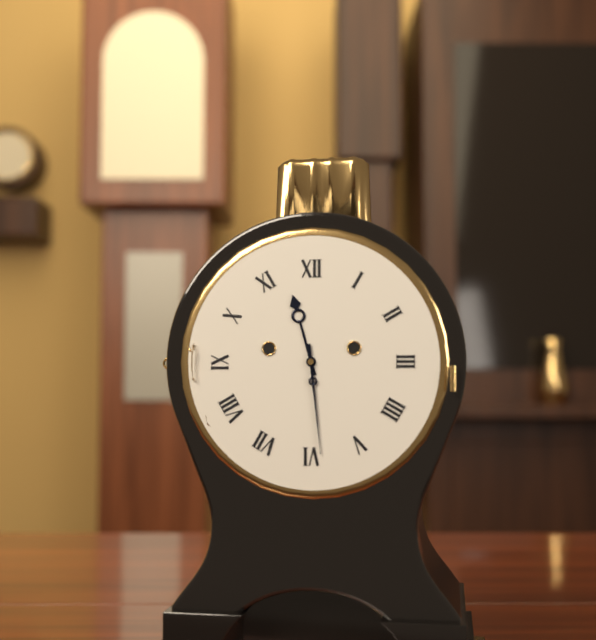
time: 11:29
